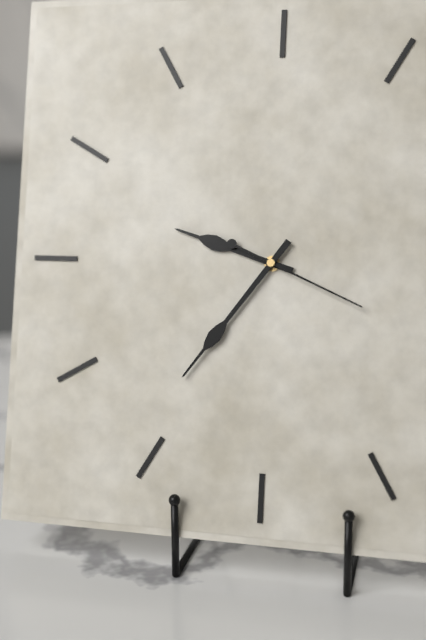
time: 9:36:19
